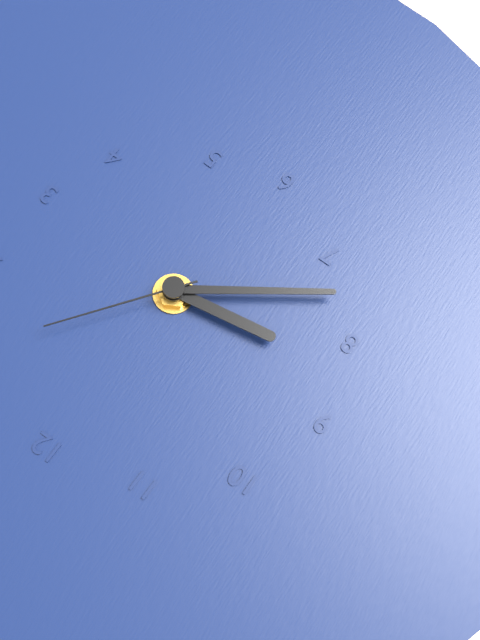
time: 8:39:06
